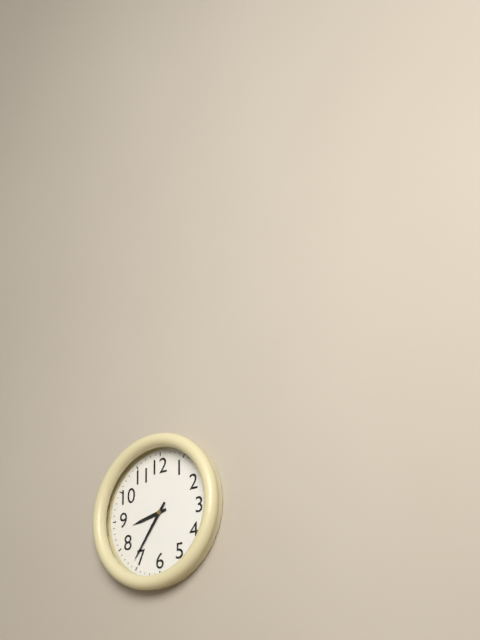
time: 8:36
